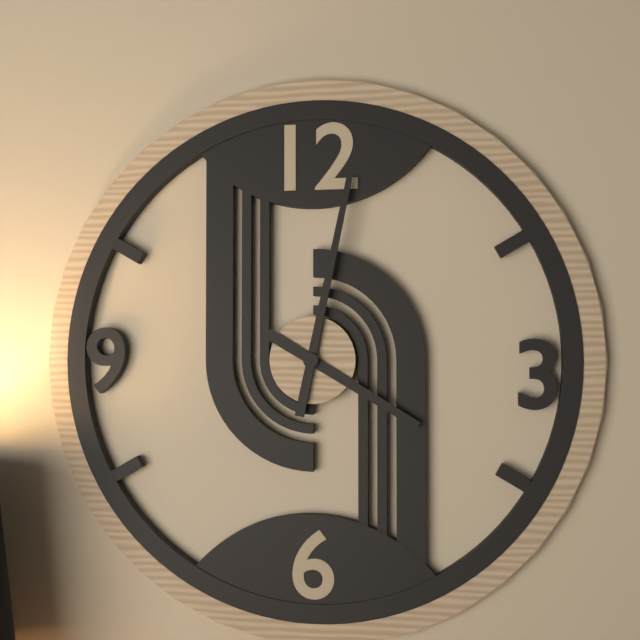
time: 4:02
